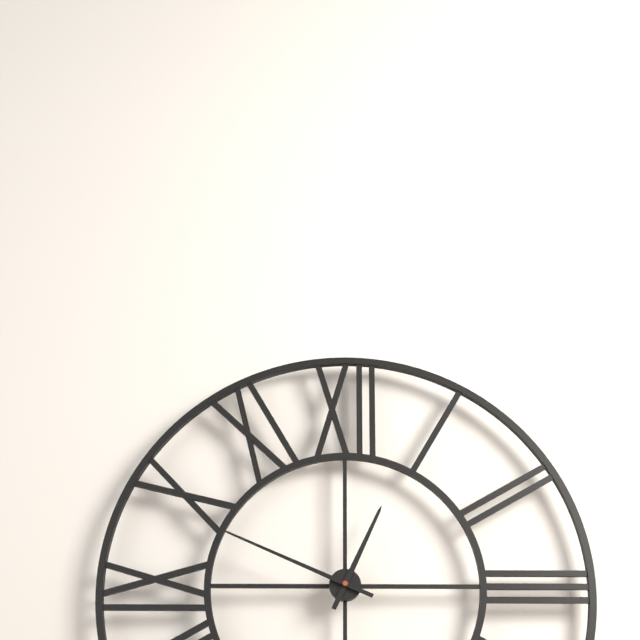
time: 12:49
